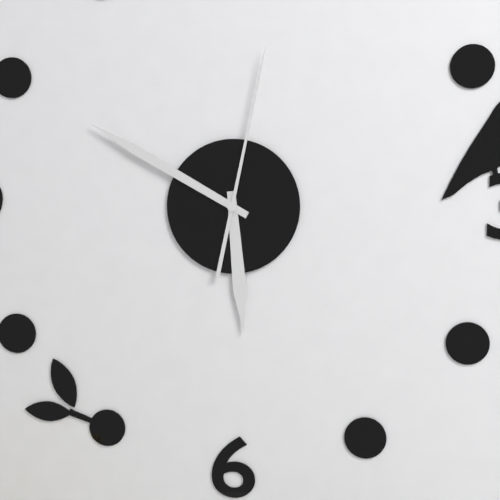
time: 5:50:02
